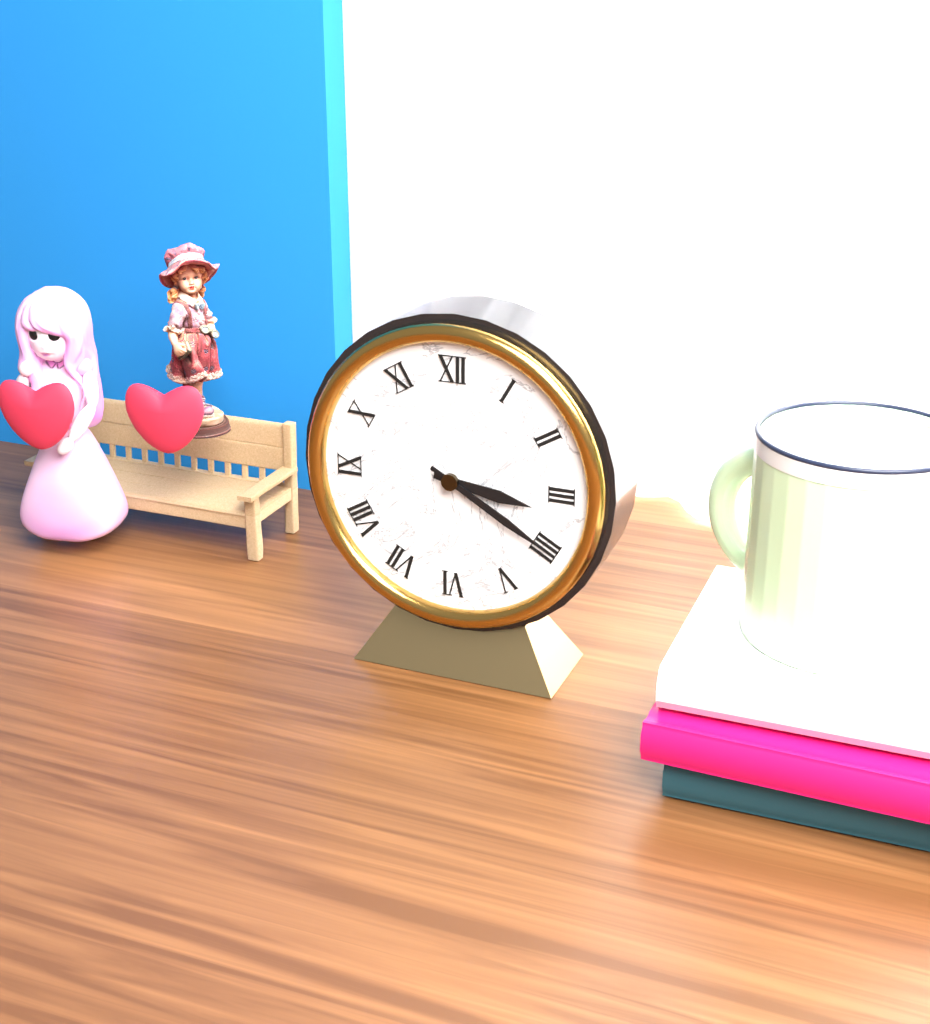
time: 3:20
